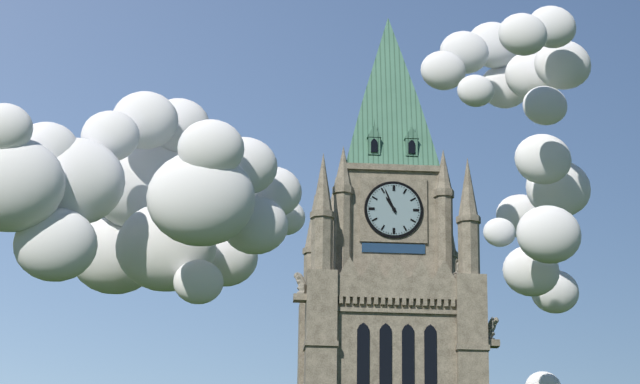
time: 10:56
